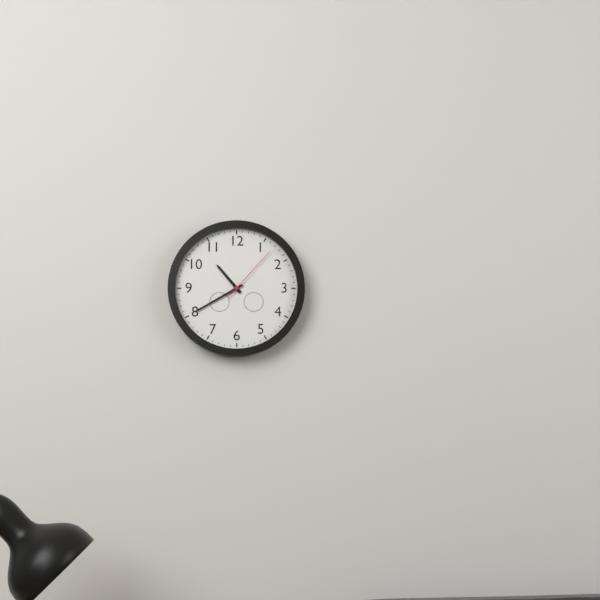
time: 10:40:07
